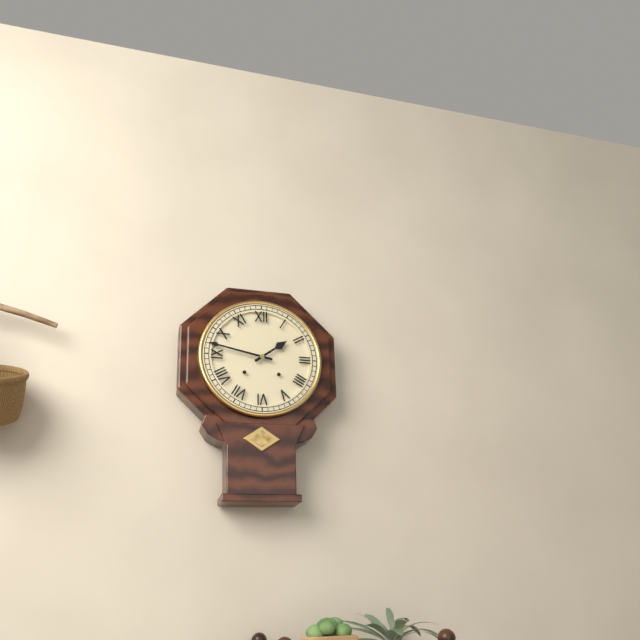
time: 1:47
